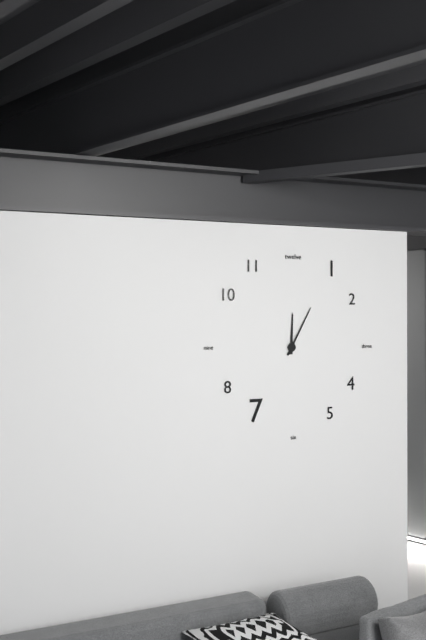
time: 12:05
